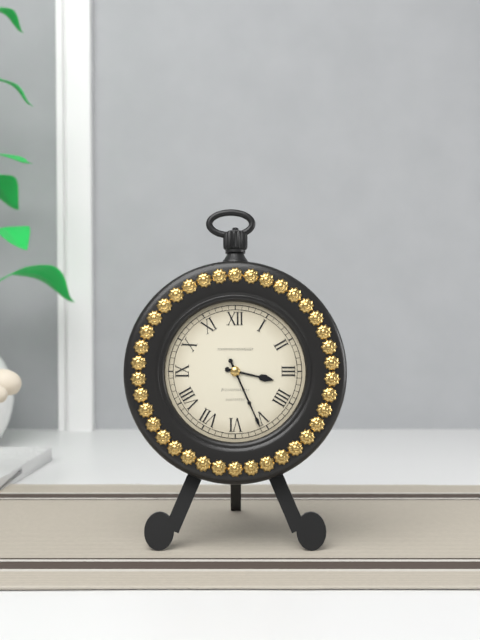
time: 3:26
